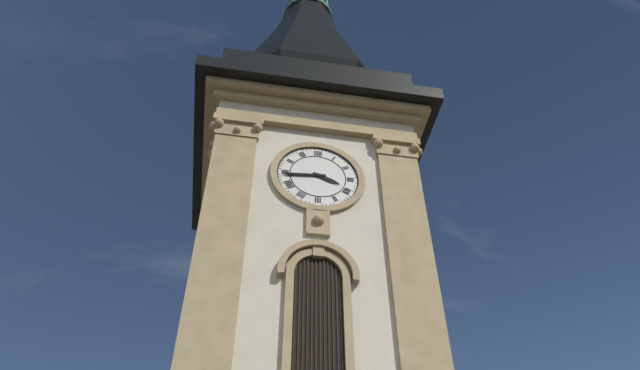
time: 3:44
